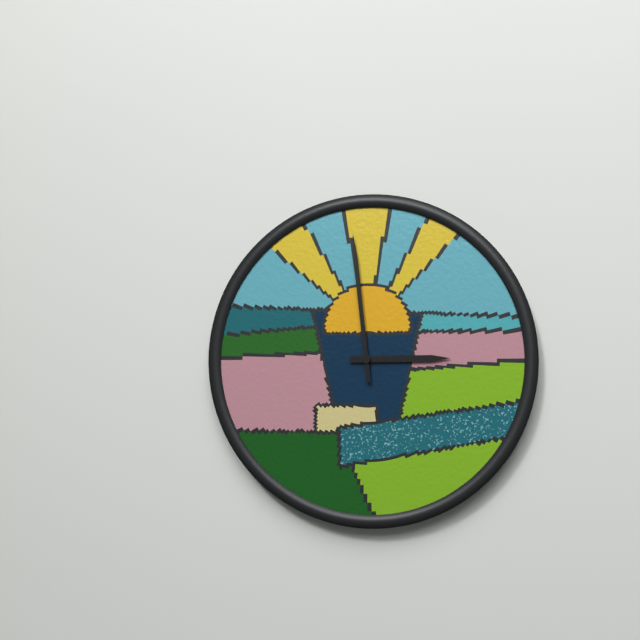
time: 2:59
